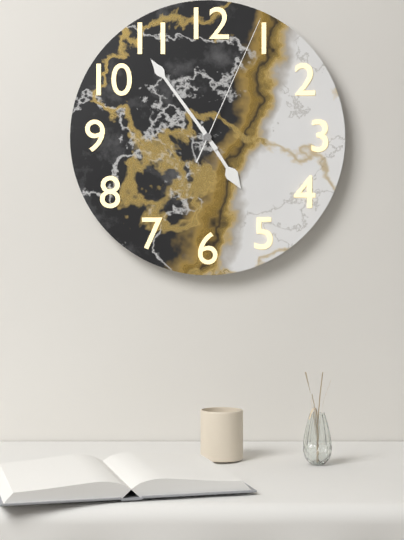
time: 4:54:04
